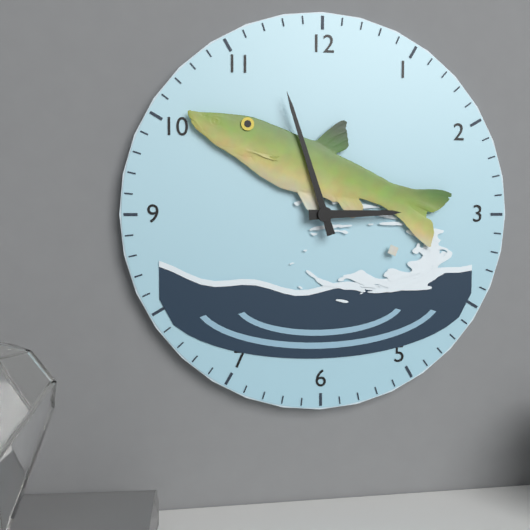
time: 2:57
